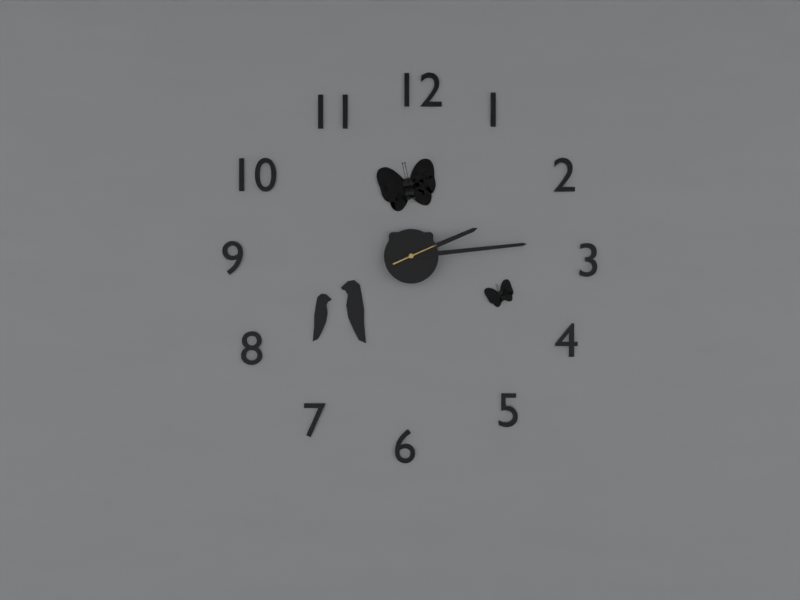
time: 2:14
